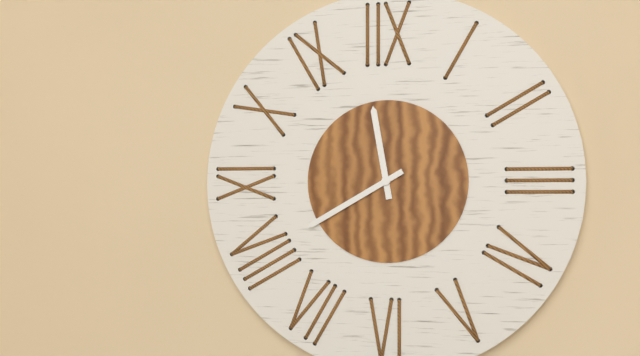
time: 11:40
